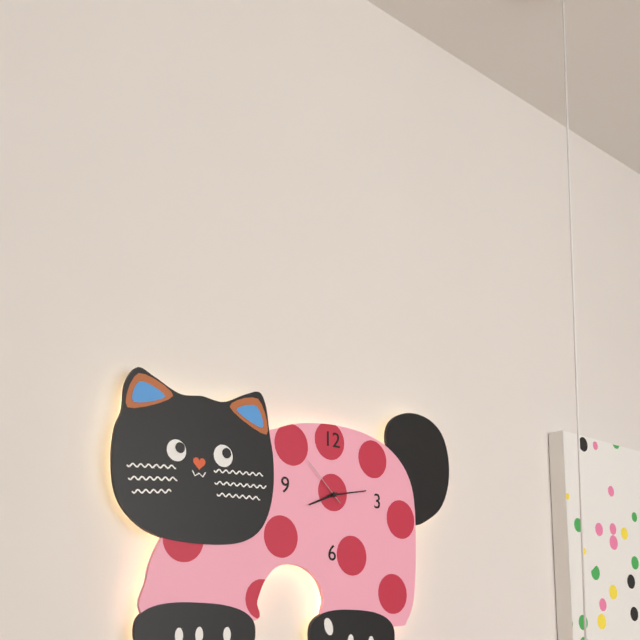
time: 8:13:52
